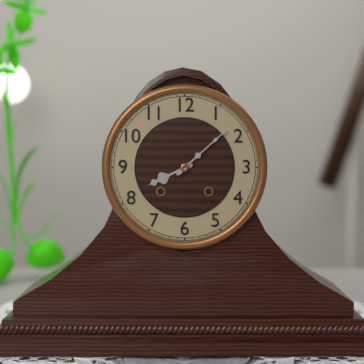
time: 8:08
